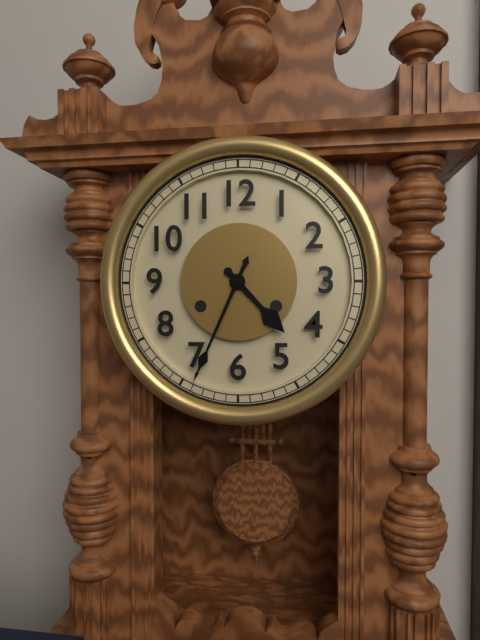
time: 4:34
